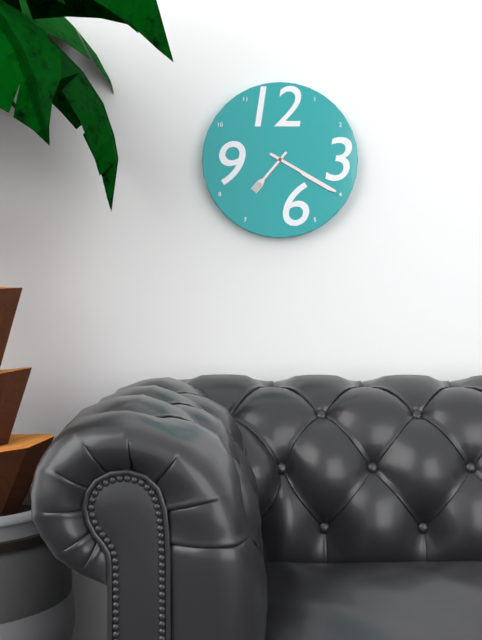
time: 7:20
